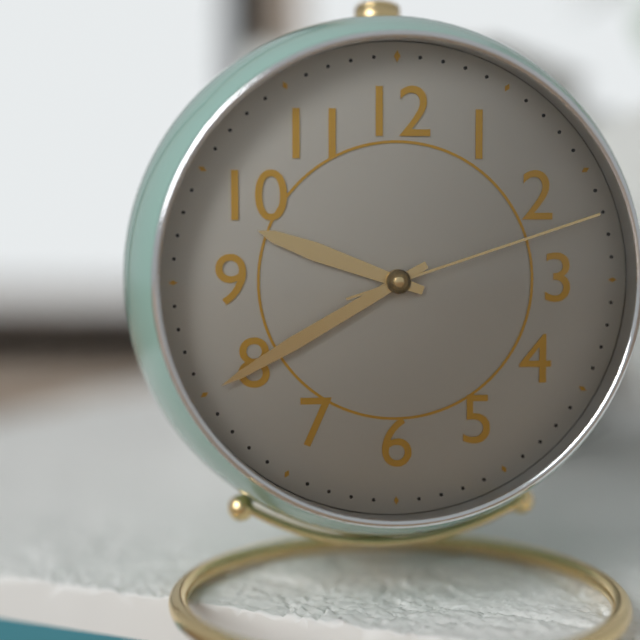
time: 9:40:12
